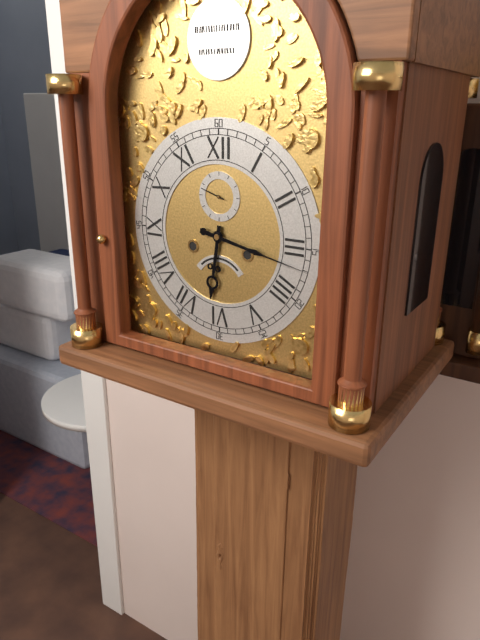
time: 6:17
